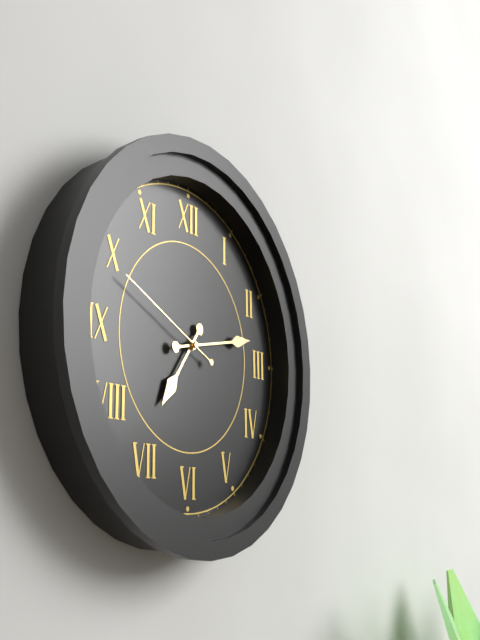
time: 7:13:49
